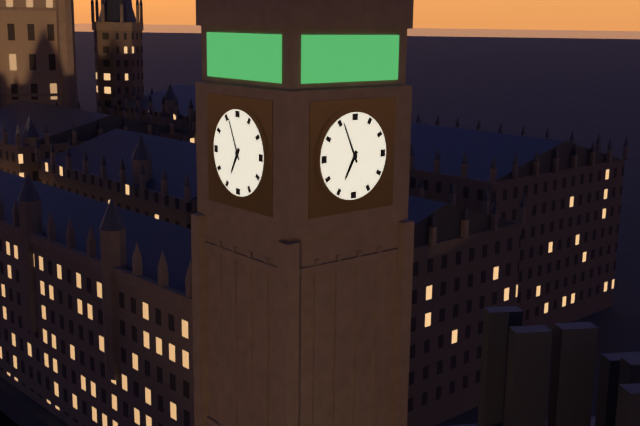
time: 6:56
